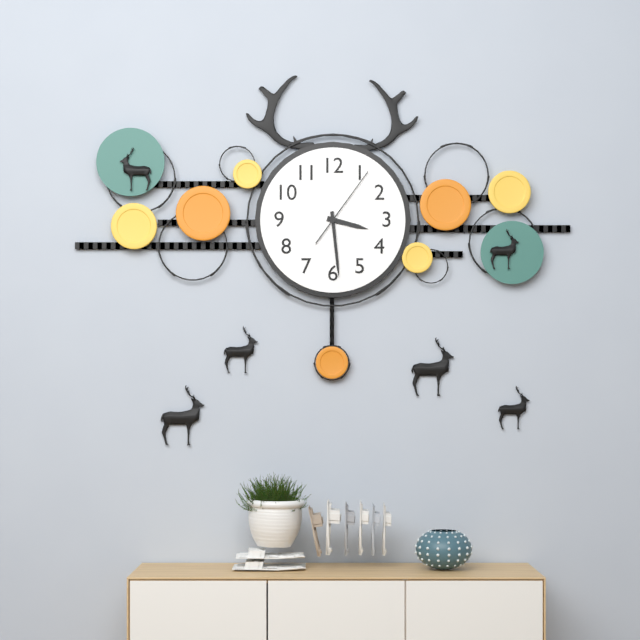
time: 3:29:06
